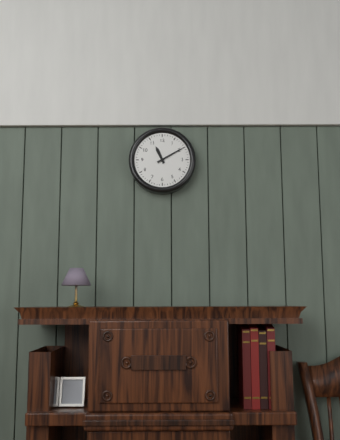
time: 11:10
